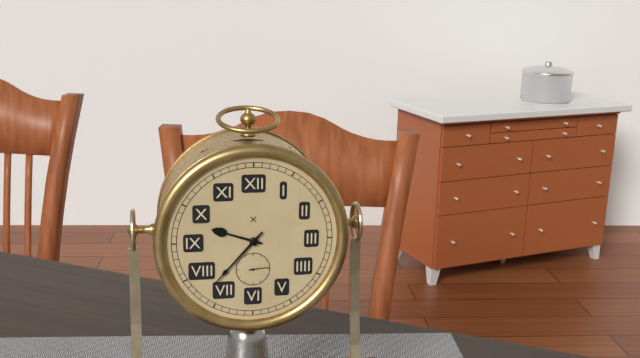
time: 9:37
